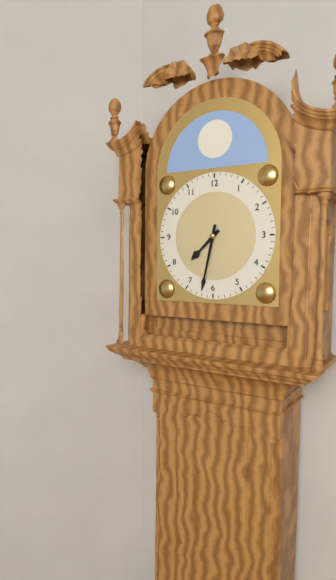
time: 7:32
